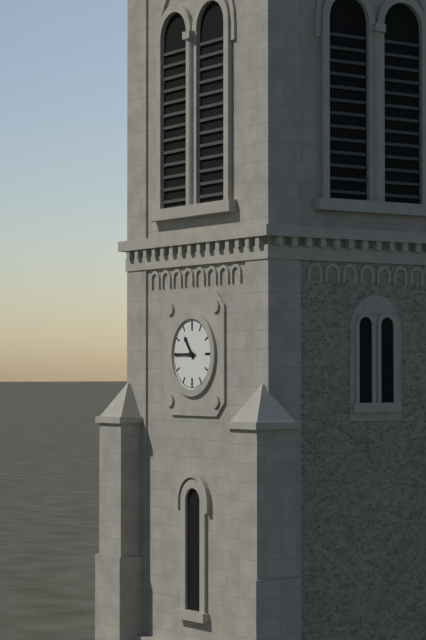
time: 10:45
